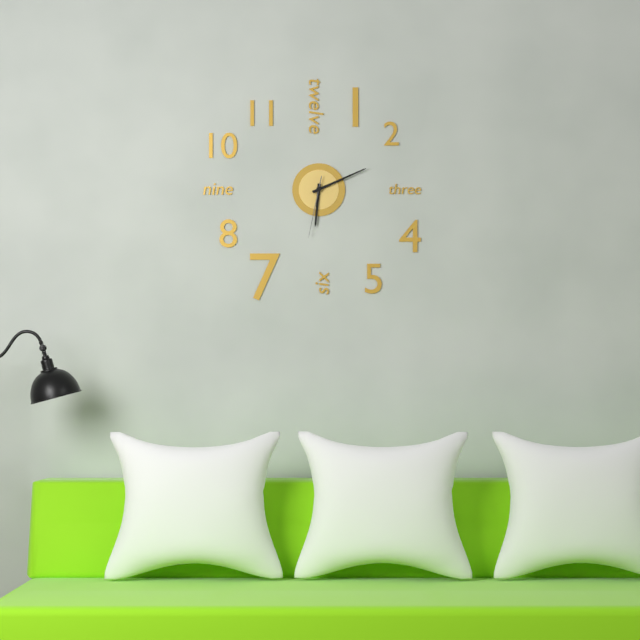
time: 6:11:32
